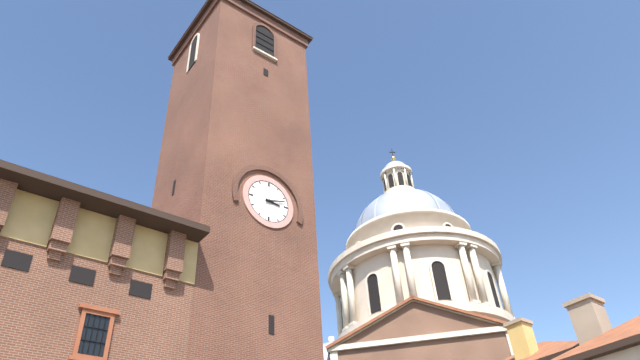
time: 3:12
